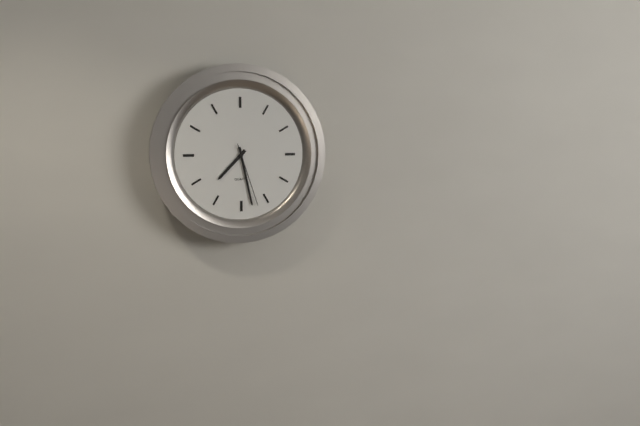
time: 7:28:27
